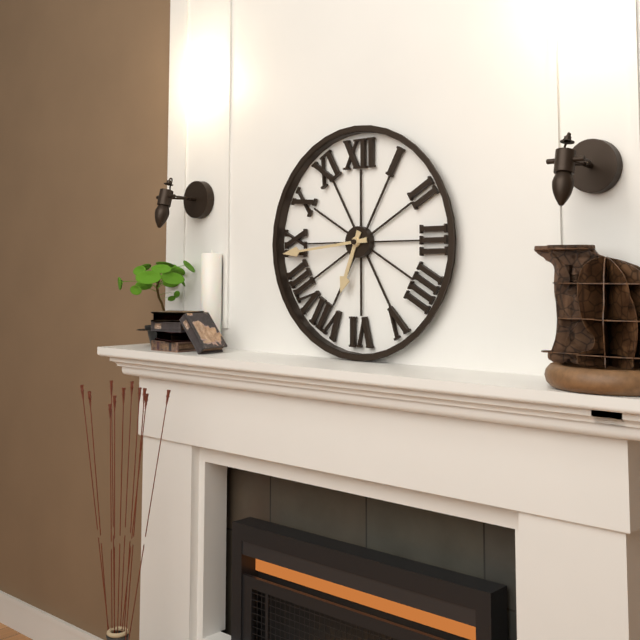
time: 6:44
